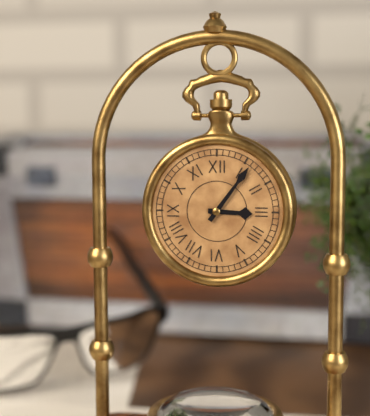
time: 3:06
